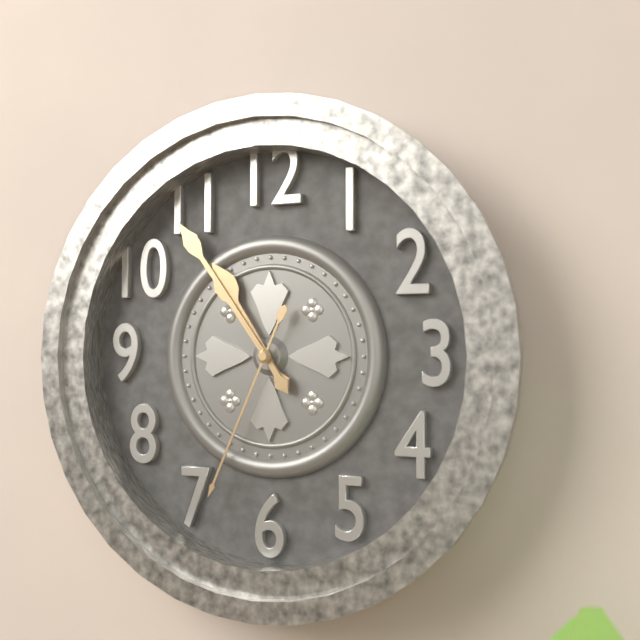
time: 10:54:34
